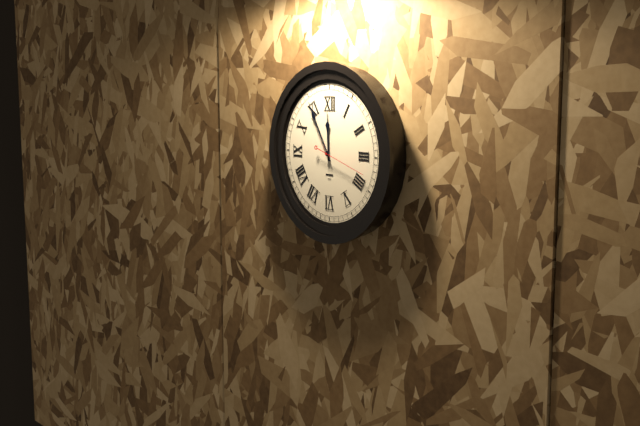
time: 11:55:18
